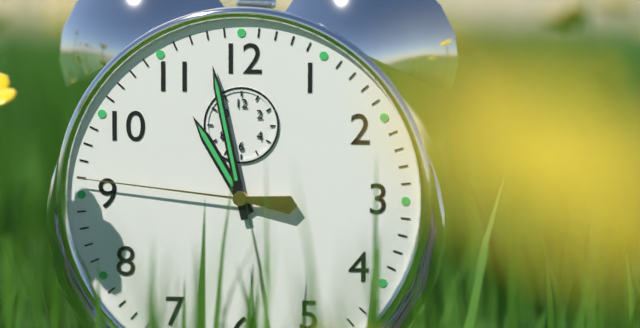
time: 10:58:46
